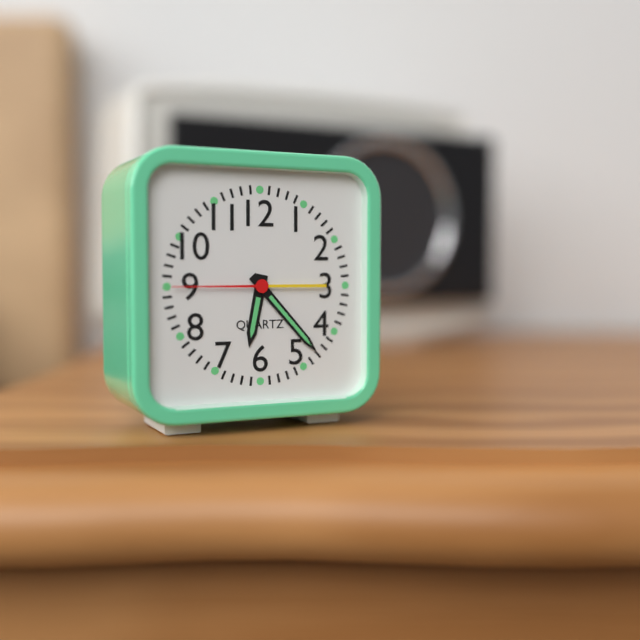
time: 6:23:45
